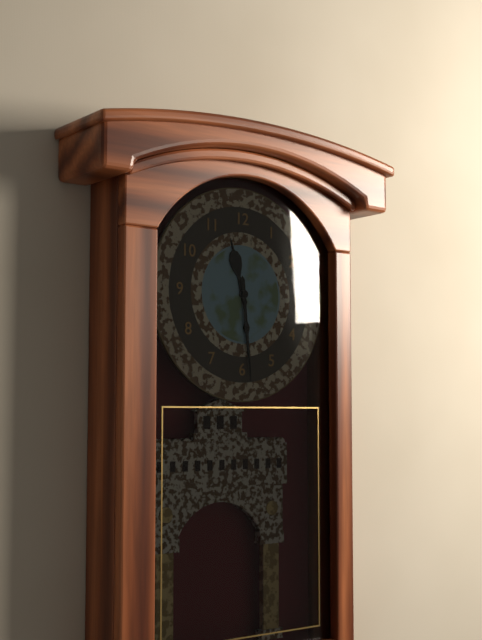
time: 11:29
